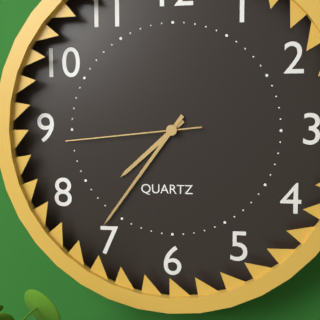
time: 7:36:44
